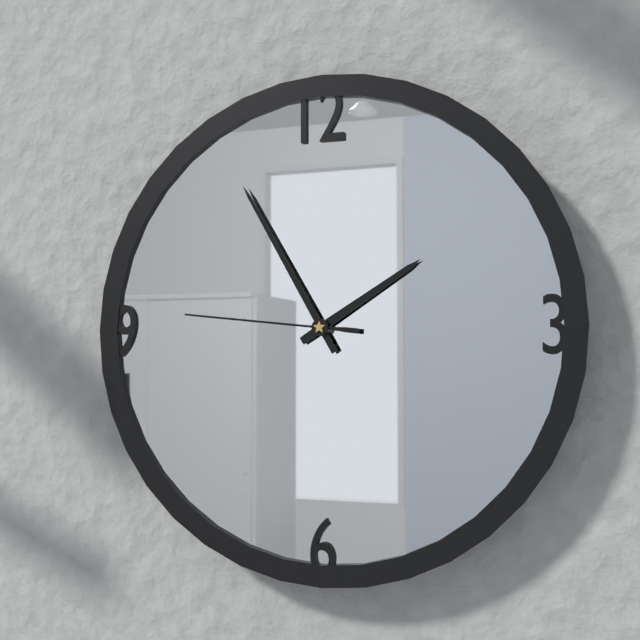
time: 1:55:46
